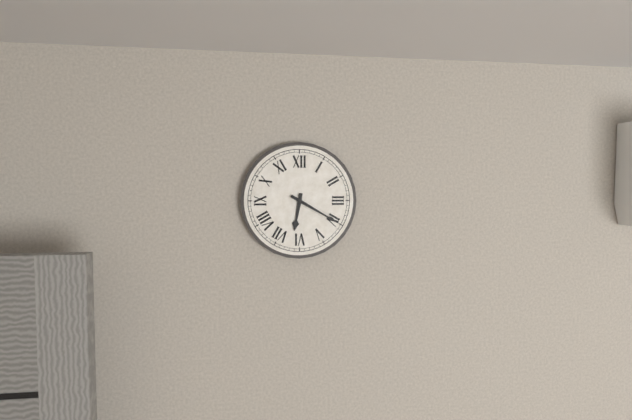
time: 6:20
